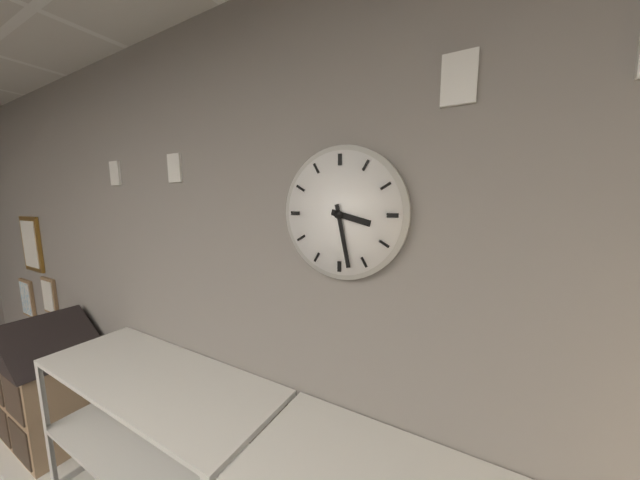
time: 3:28
